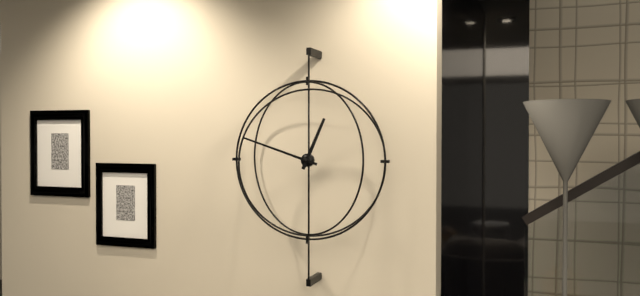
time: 12:48
